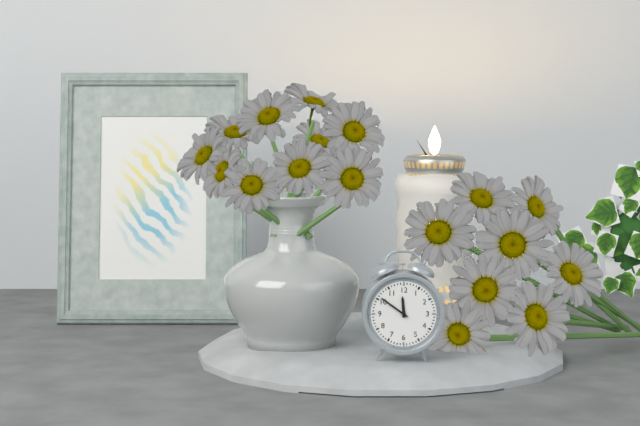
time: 11:51
